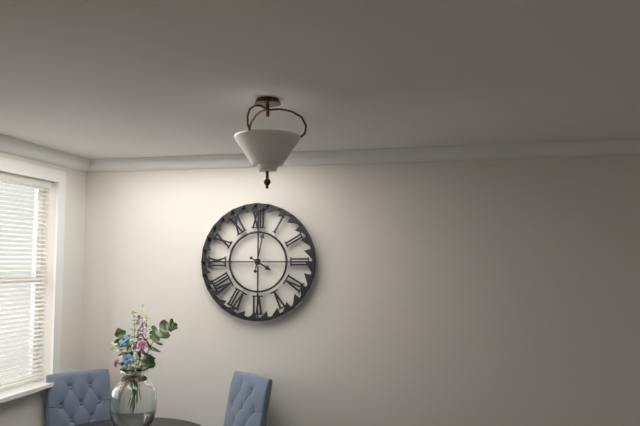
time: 4:02
